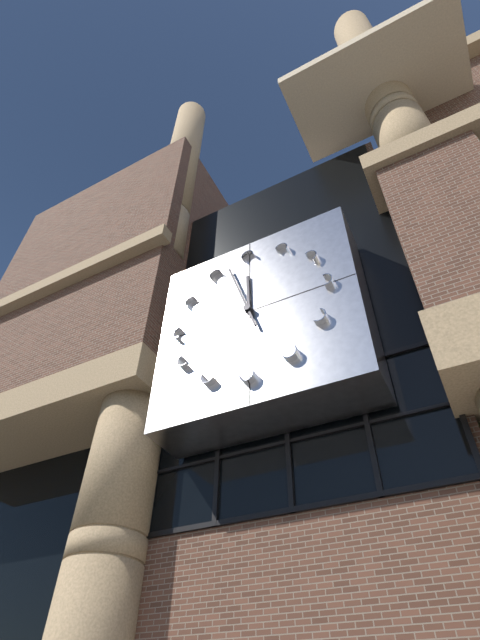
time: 11:57
